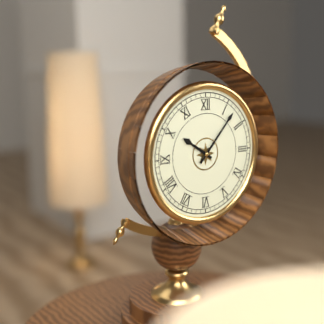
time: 10:07
